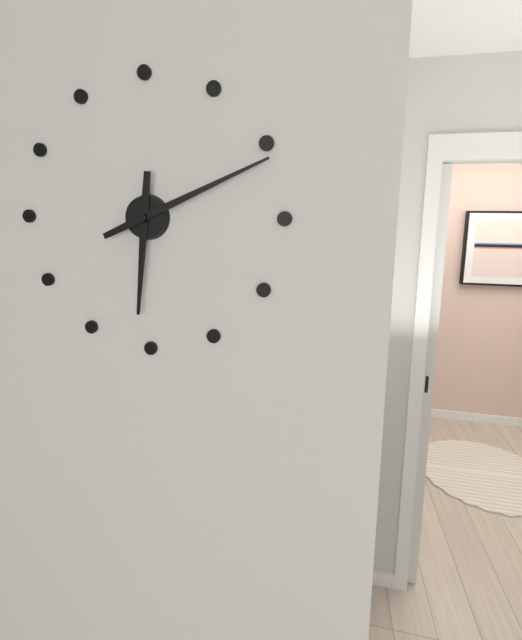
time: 6:11
